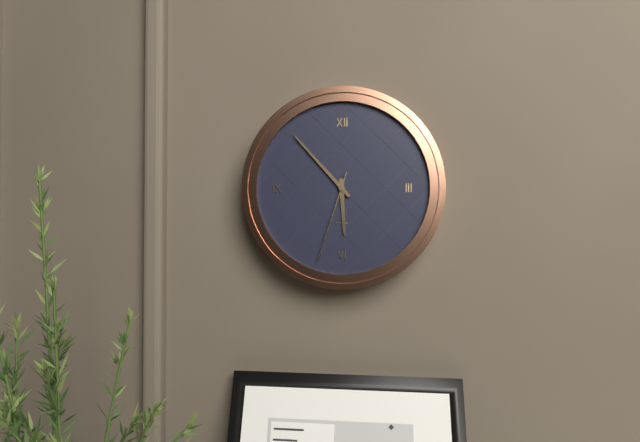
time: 5:53:33
